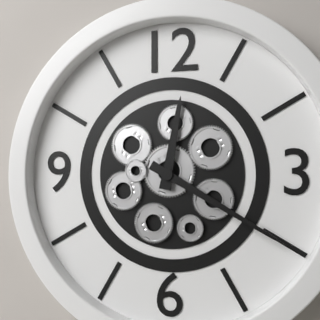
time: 12:20
